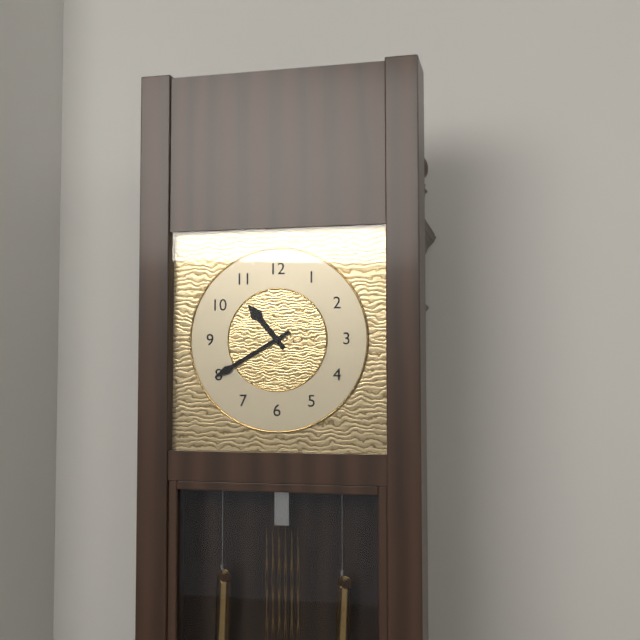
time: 10:40
